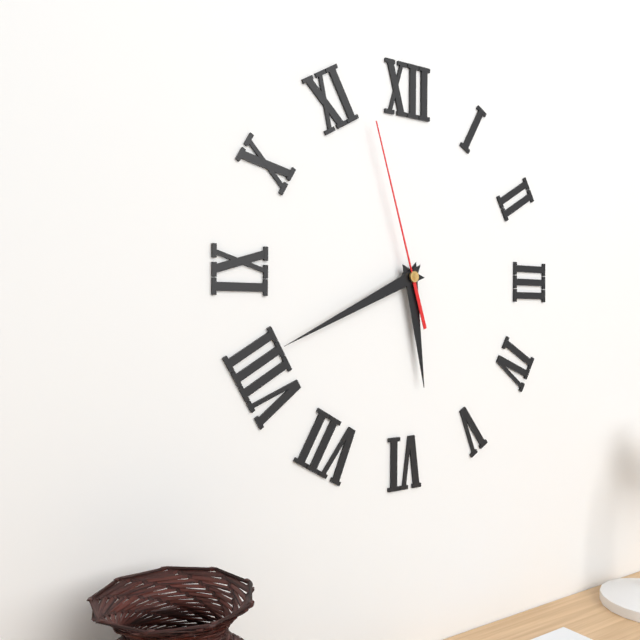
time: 5:41:57
